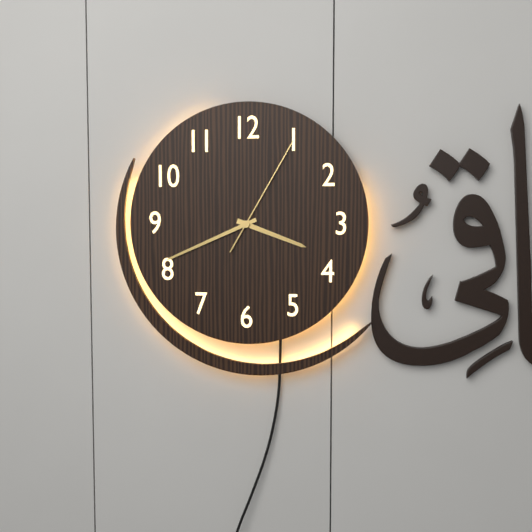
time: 3:41:05
